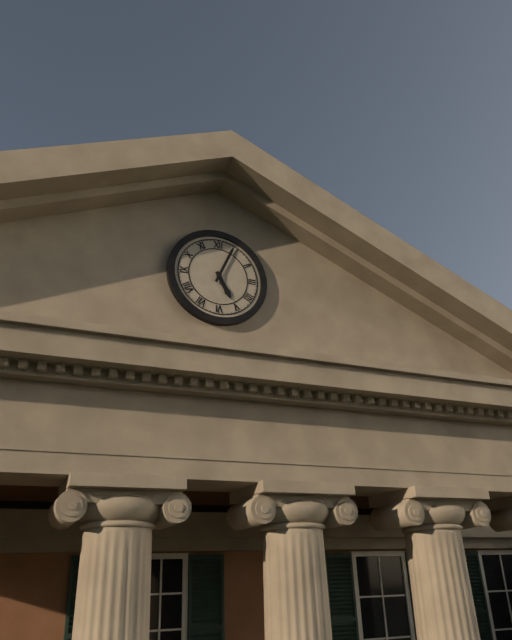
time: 5:04
